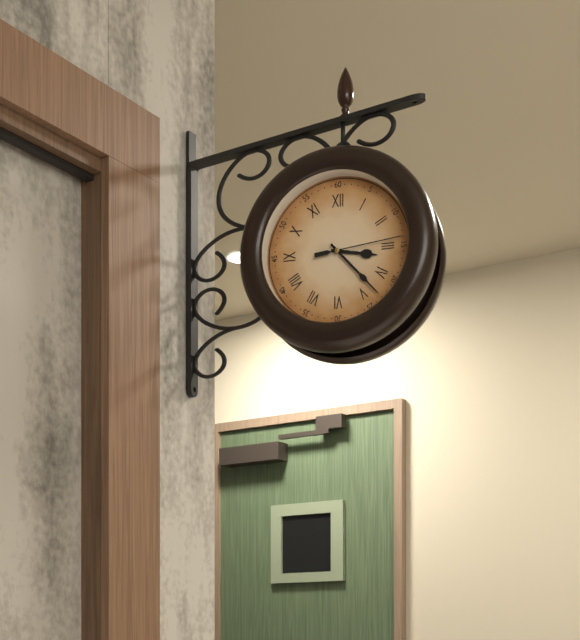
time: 3:23:14
